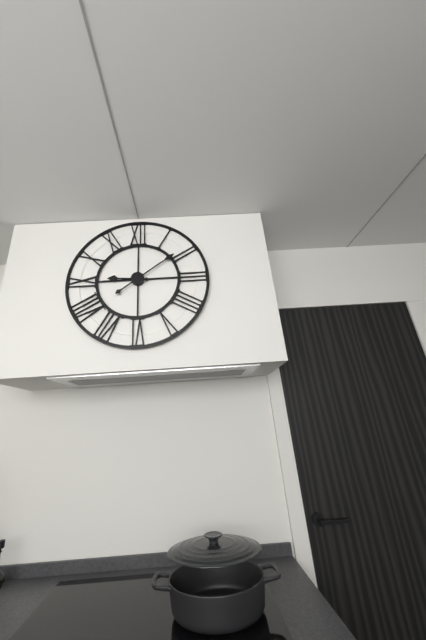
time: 9:09
